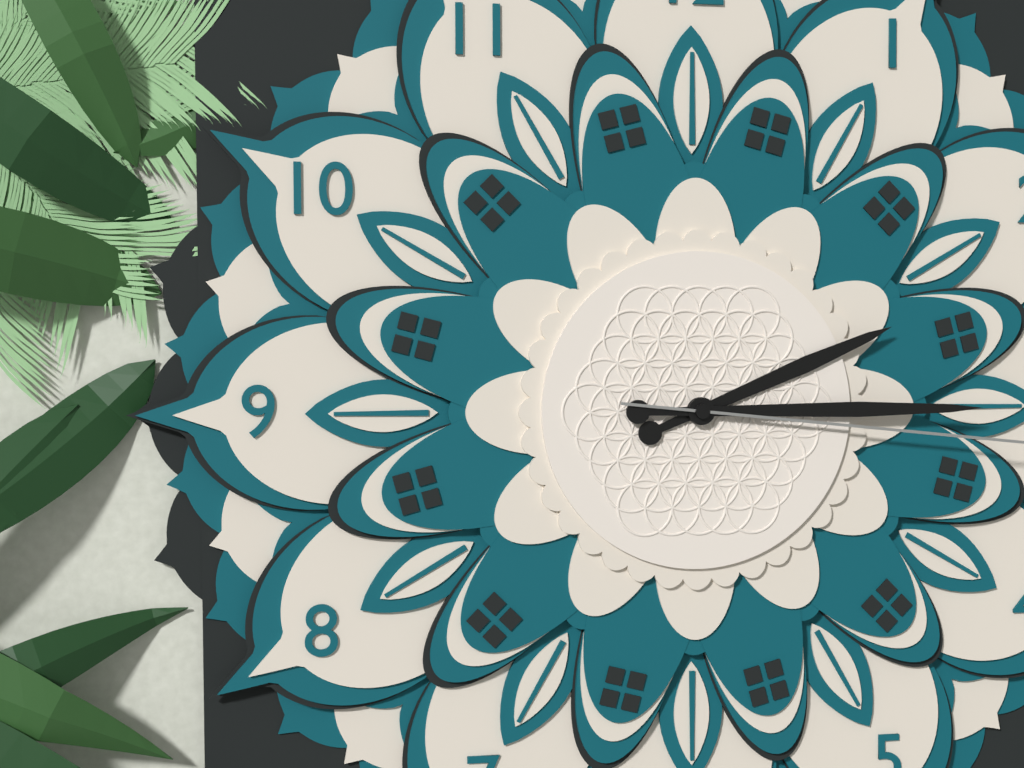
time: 2:15
